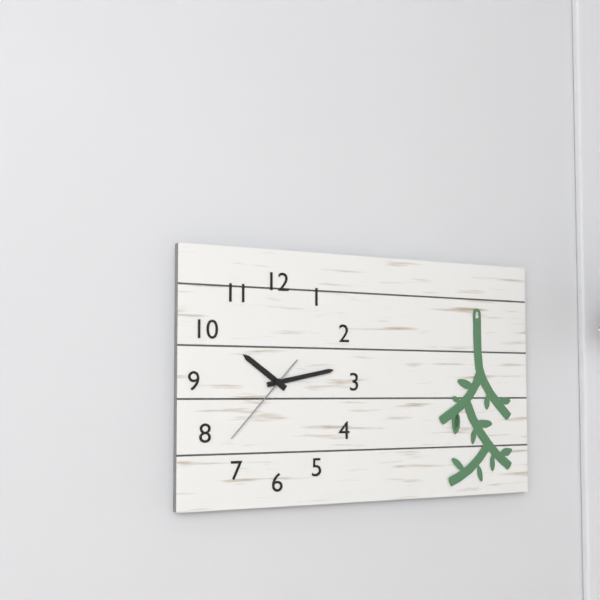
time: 10:13:37
